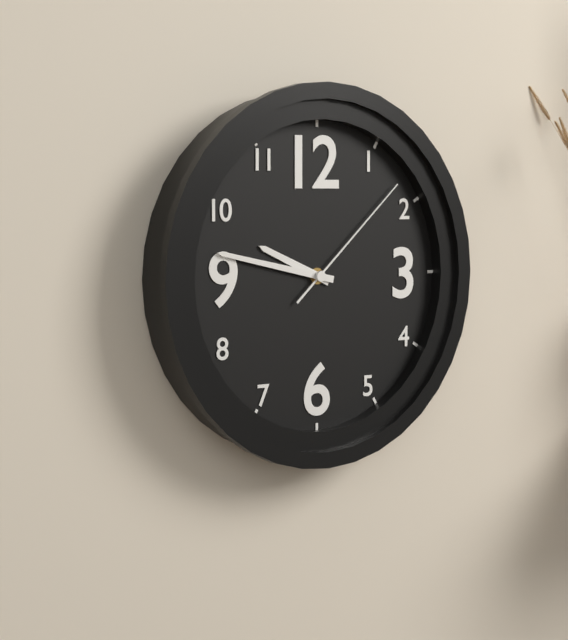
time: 9:47:08
